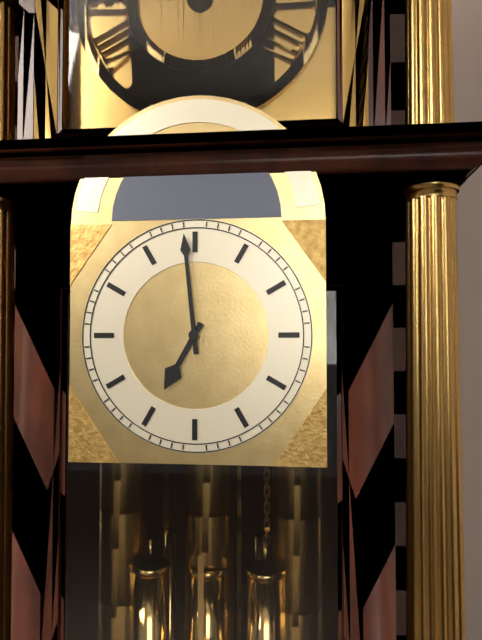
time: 6:59
